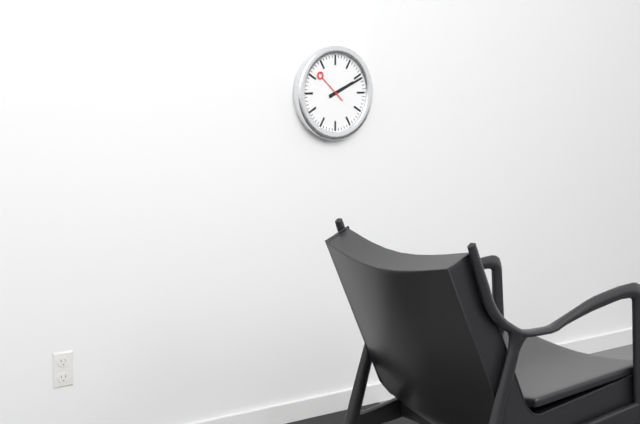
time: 2:11
